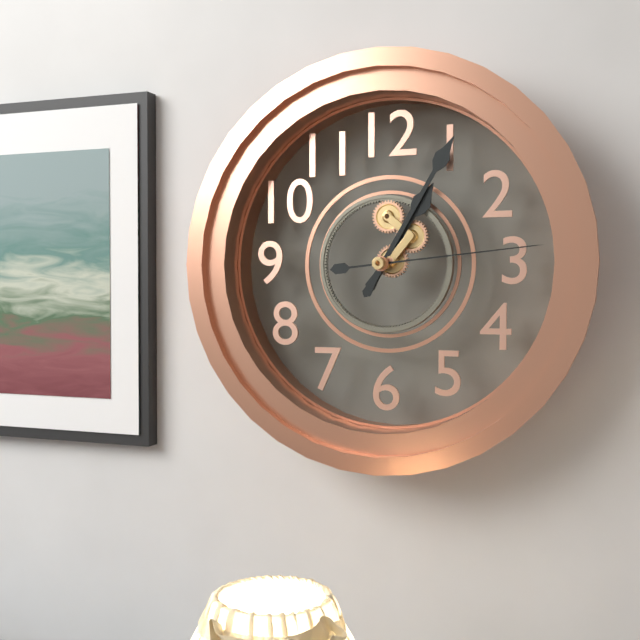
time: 1:05:14
